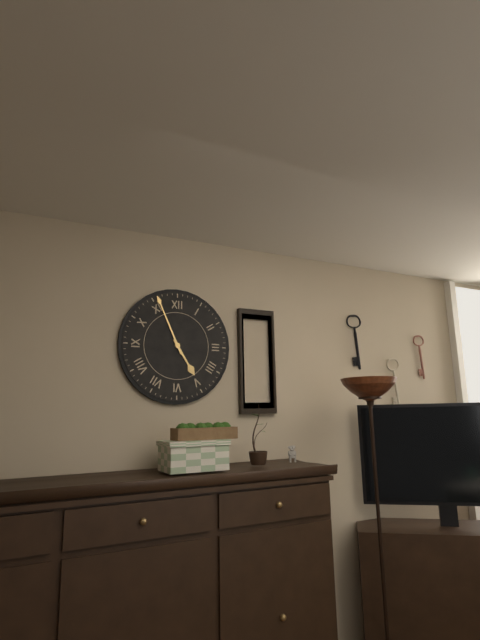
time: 4:56
